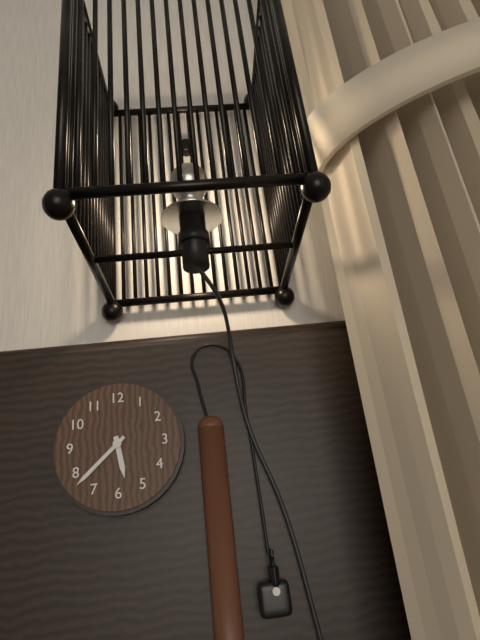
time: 5:38
